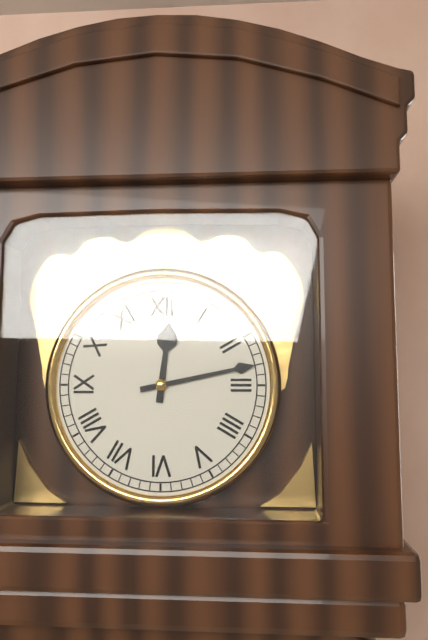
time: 12:13
